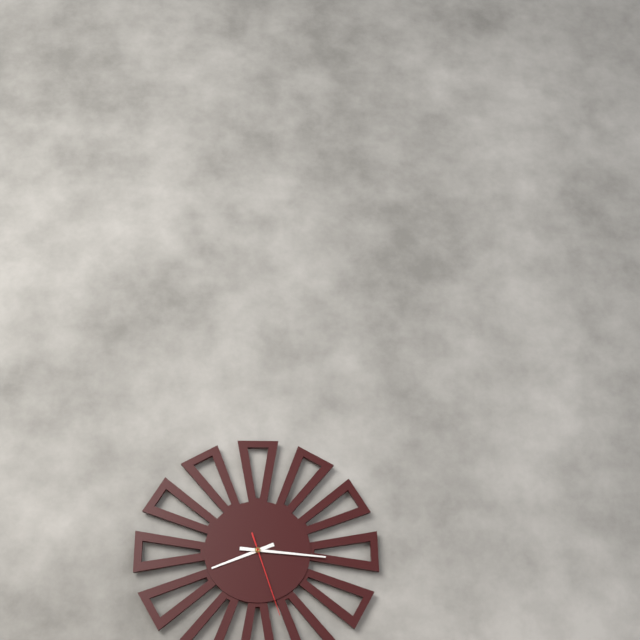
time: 8:16:27
